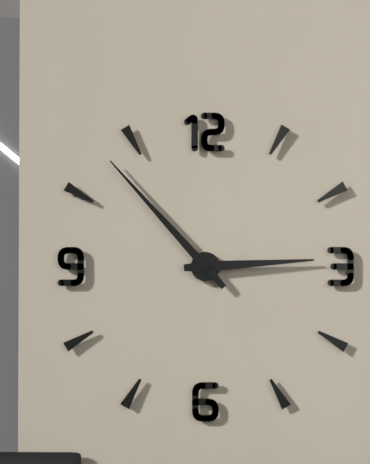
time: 2:53
